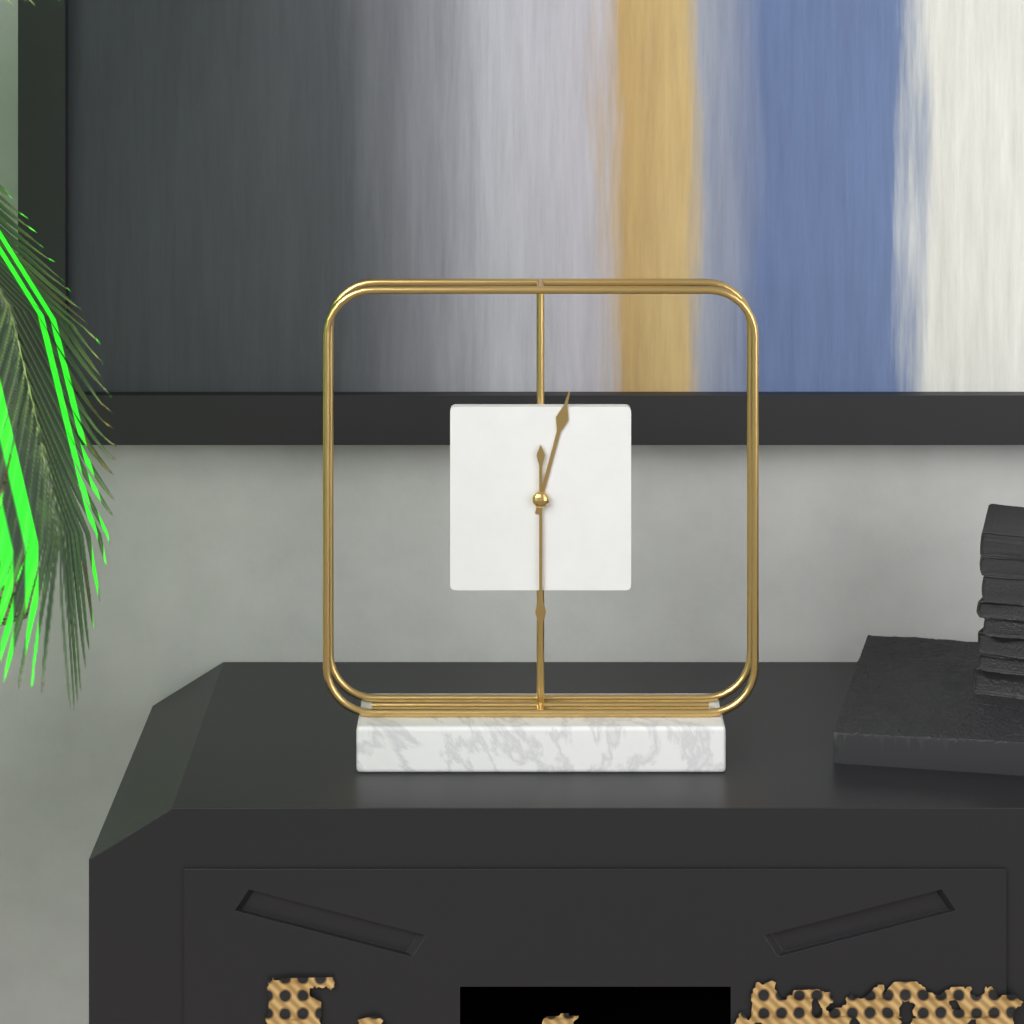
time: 12:30
